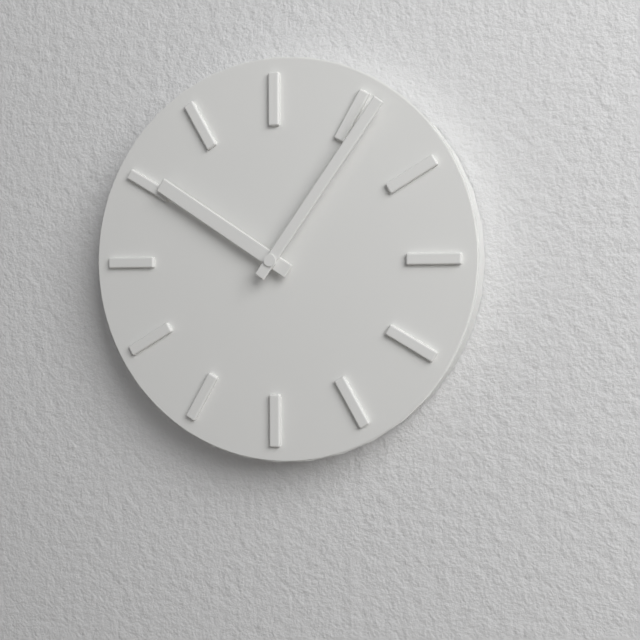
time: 10:06
